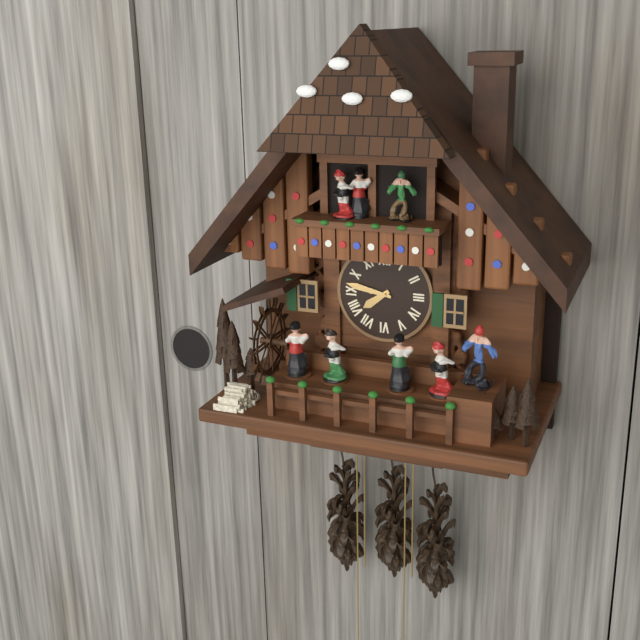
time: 7:47
